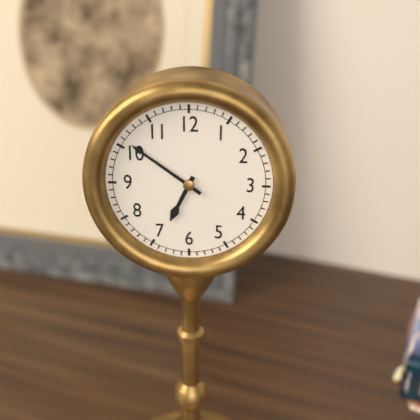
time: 6:51
